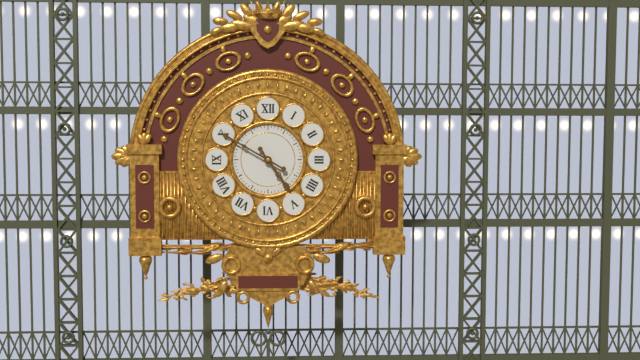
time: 4:50
